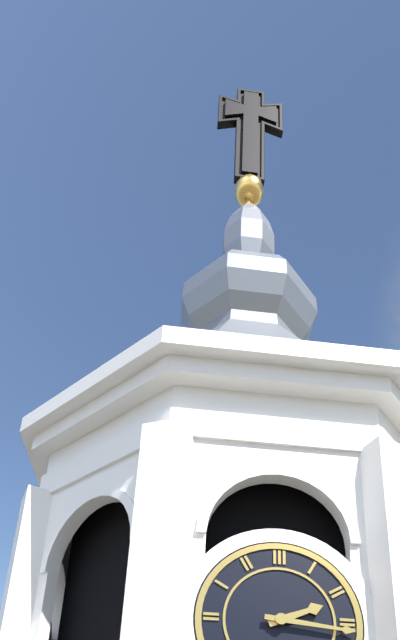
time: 2:16
